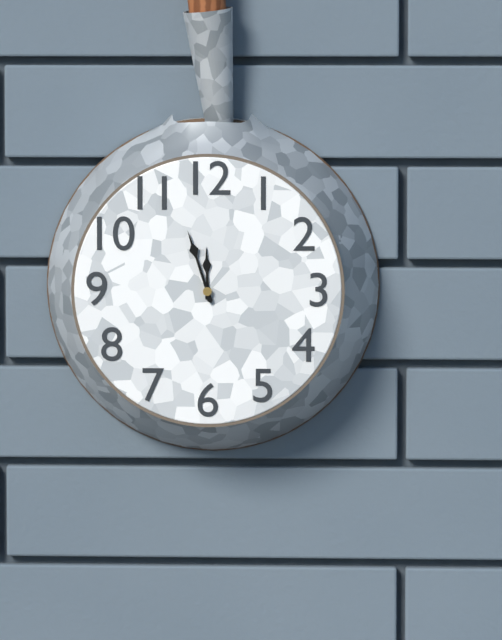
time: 11:57
